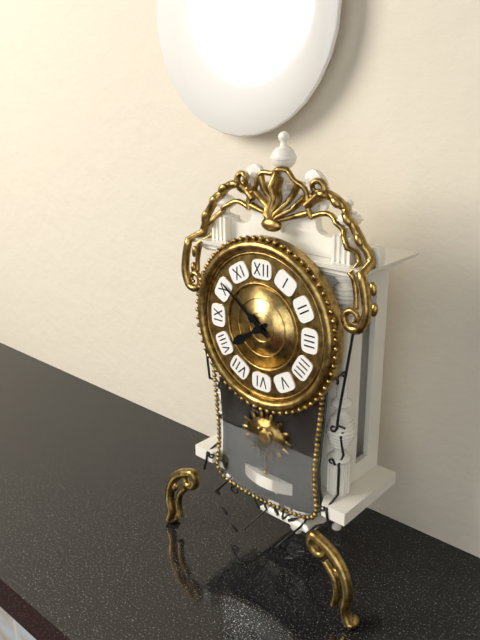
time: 7:51
